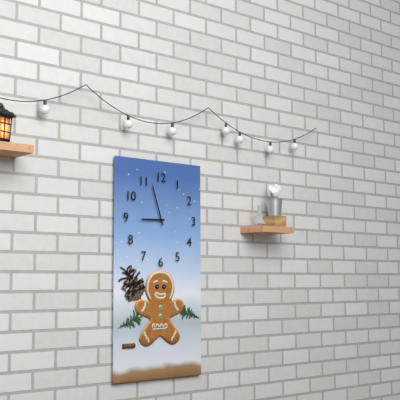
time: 8:57
